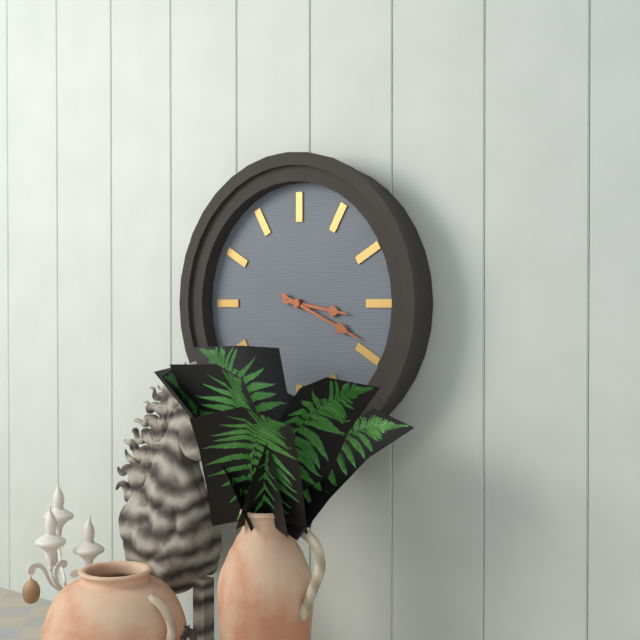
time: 3:19
